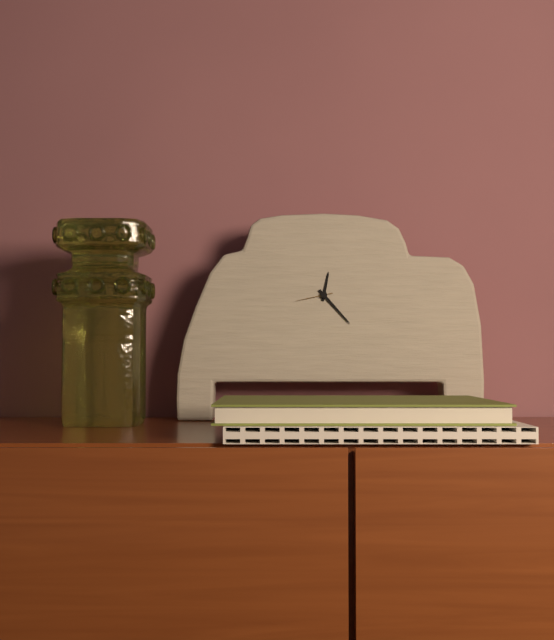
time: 12:23
